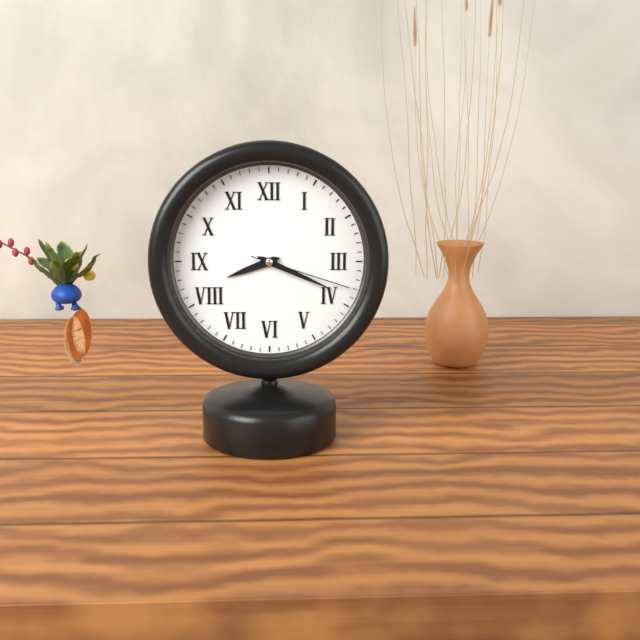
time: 8:19:18
